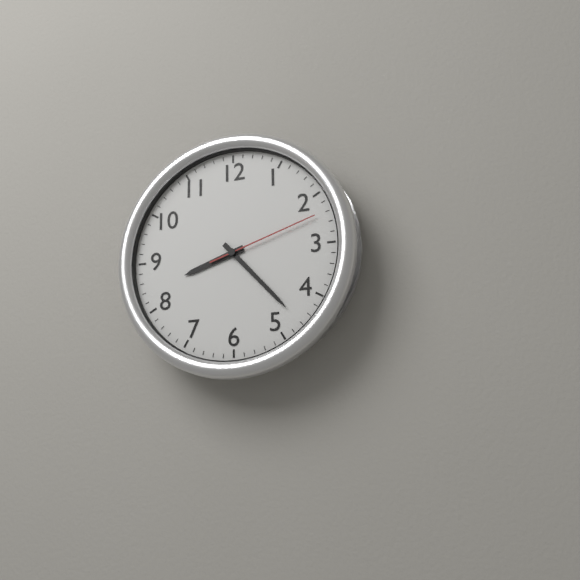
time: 8:23:12
